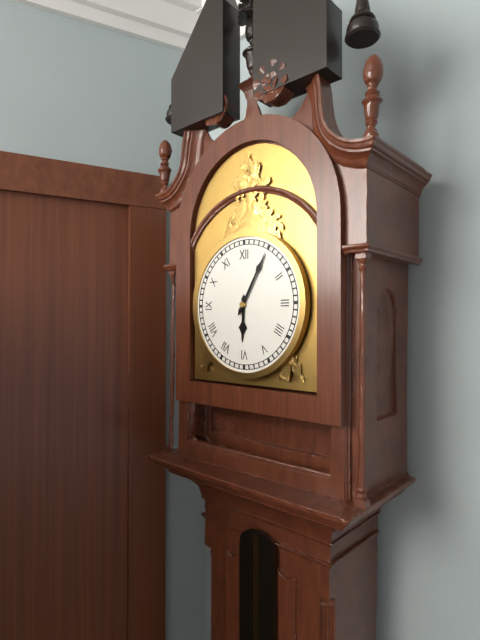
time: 6:05
